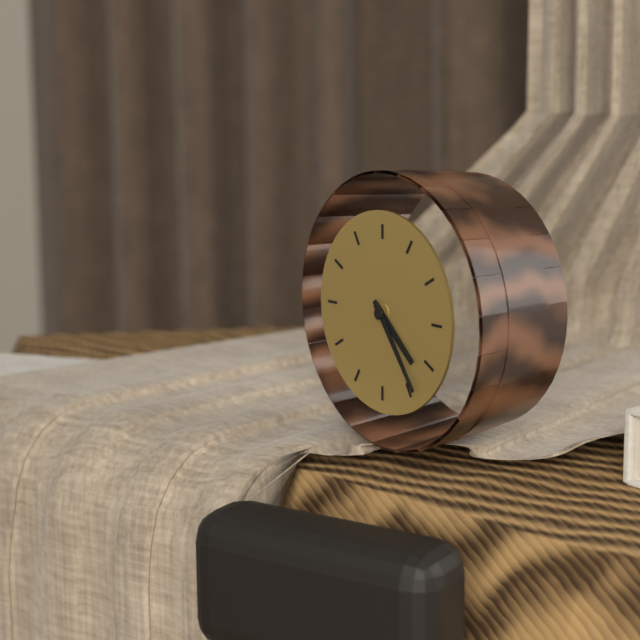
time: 4:24
